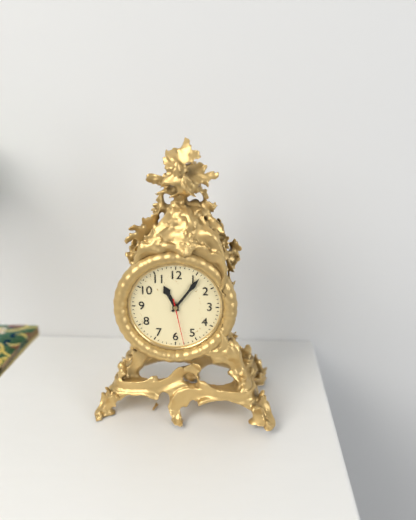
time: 11:06
